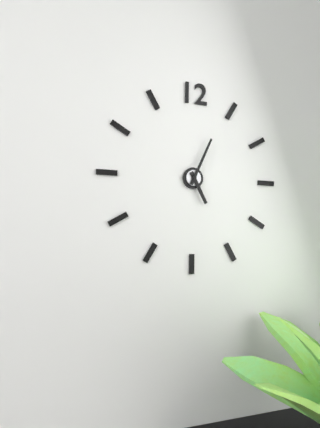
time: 5:04
